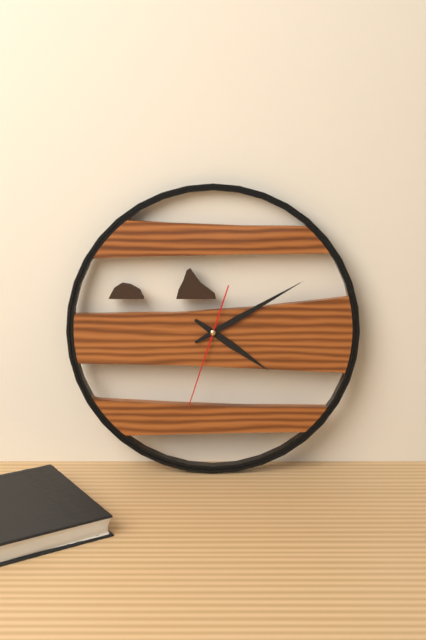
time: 4:10:33
